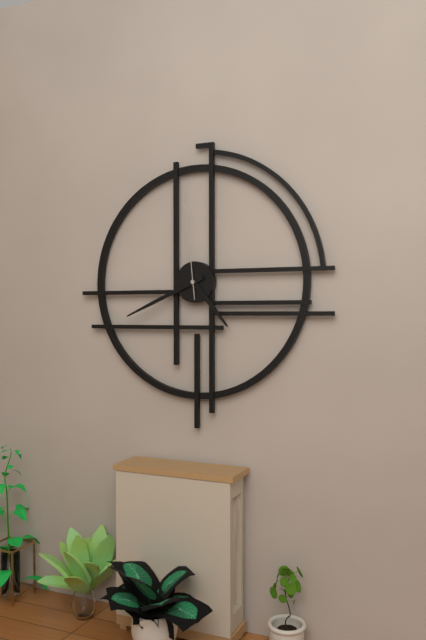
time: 4:41:59
